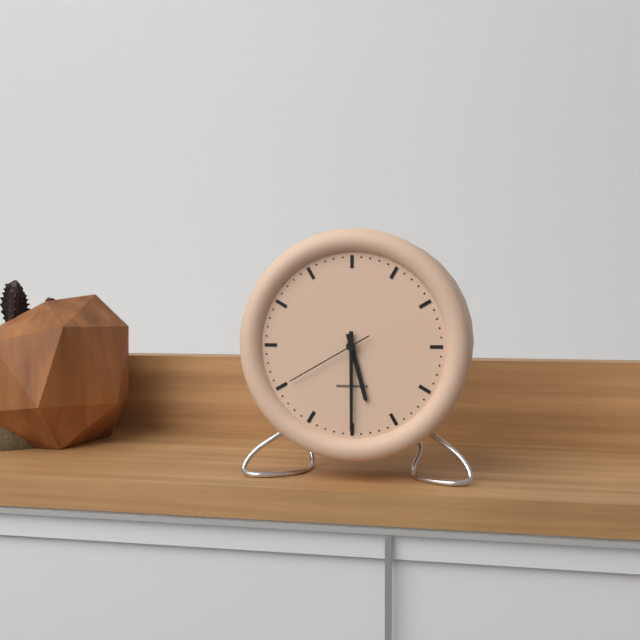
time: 5:30:40
